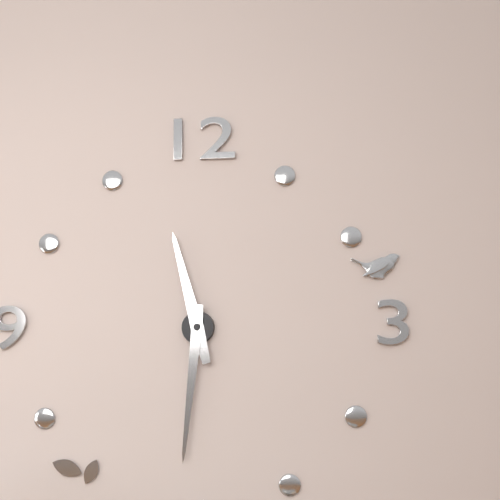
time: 11:31
